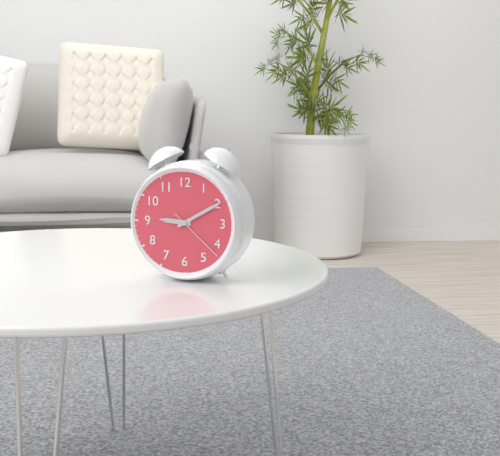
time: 9:10:22
